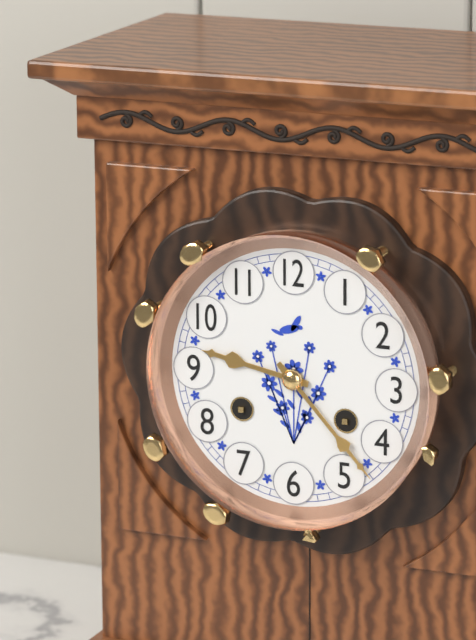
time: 9:23
